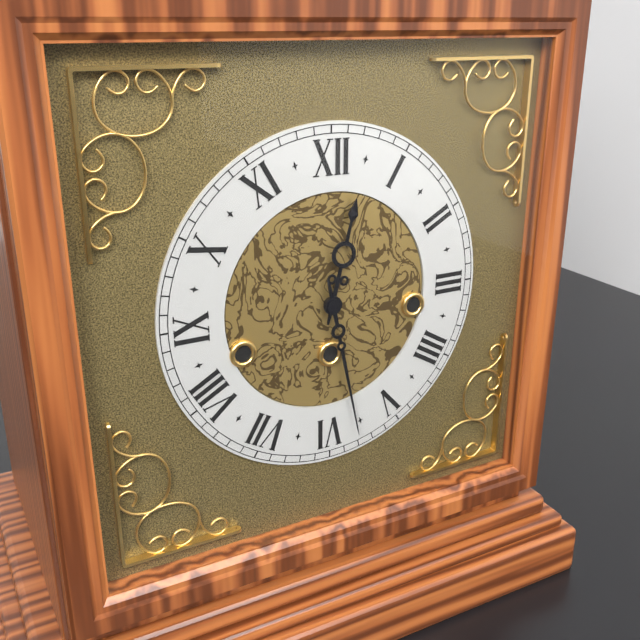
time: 12:28
